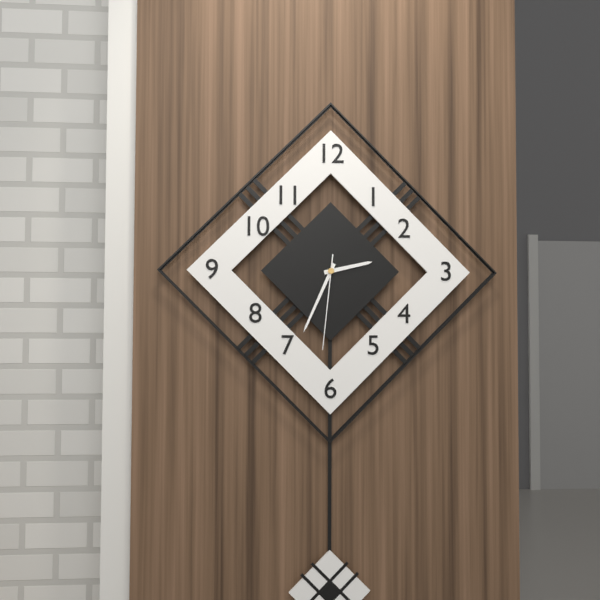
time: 2:34:31
